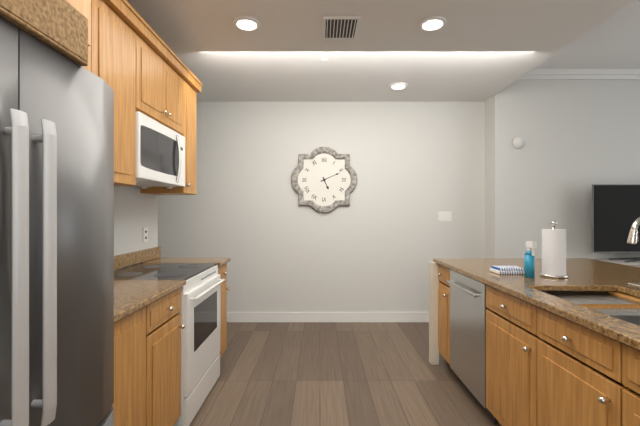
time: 5:11
